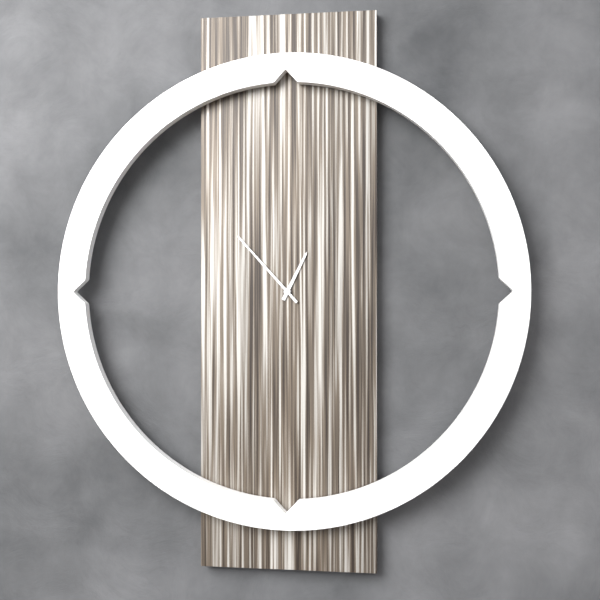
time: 12:53
